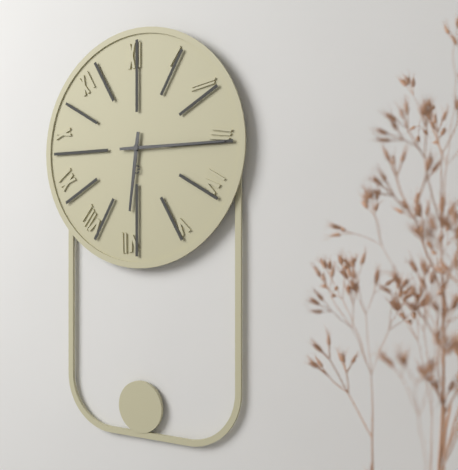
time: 6:15
